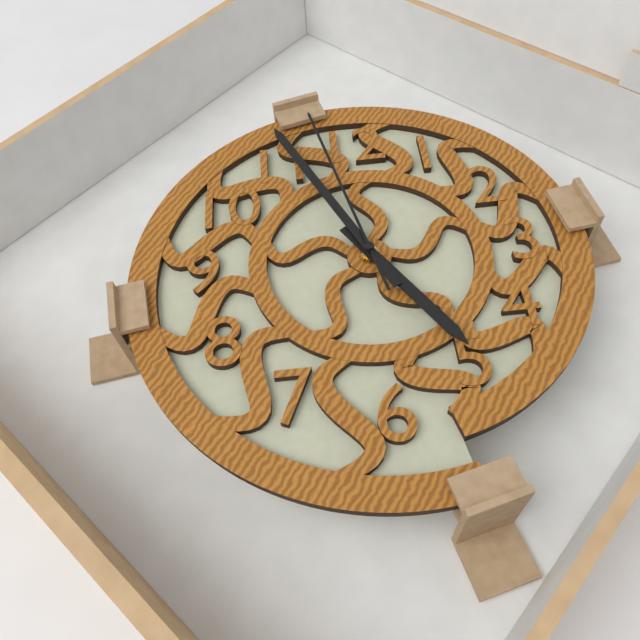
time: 4:56:58
